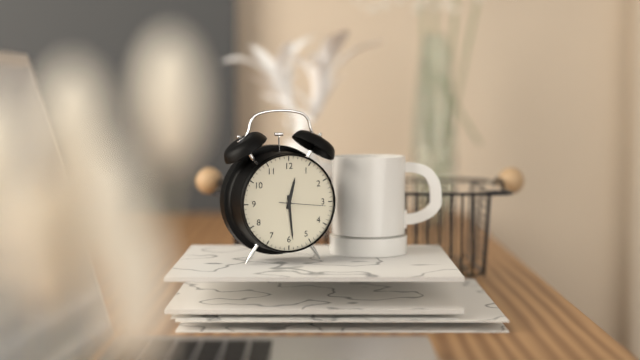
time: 12:29:16
